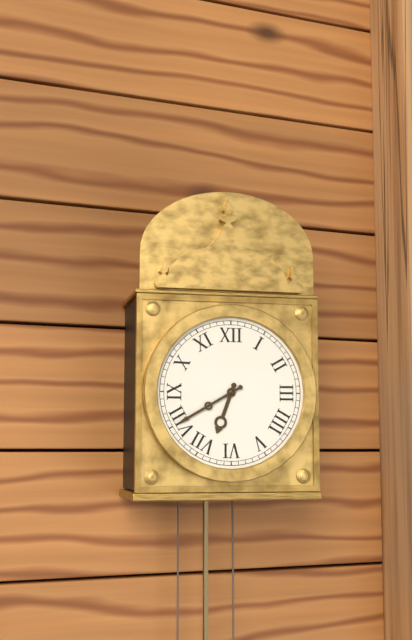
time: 6:40
